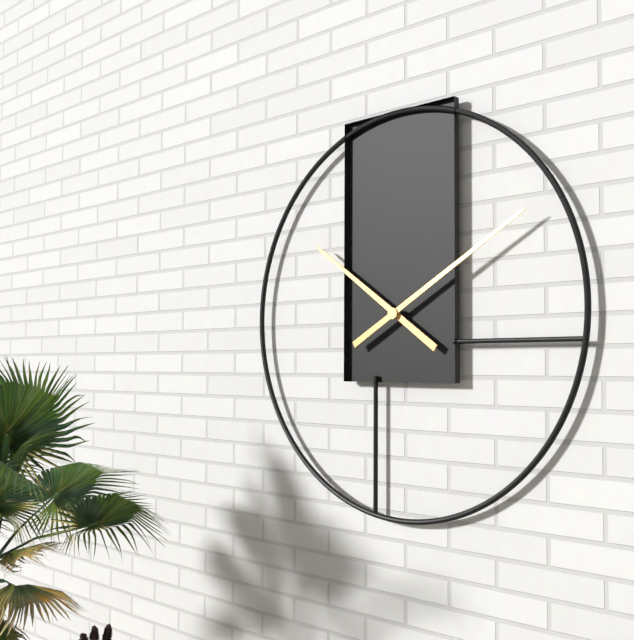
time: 10:10
